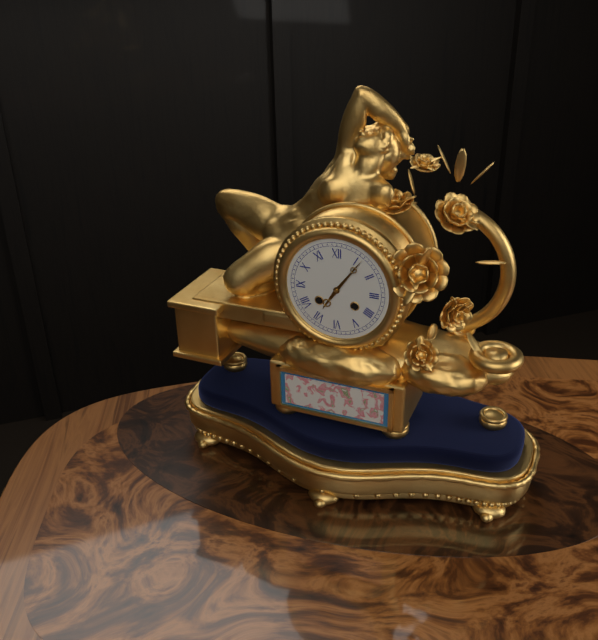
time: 7:06
